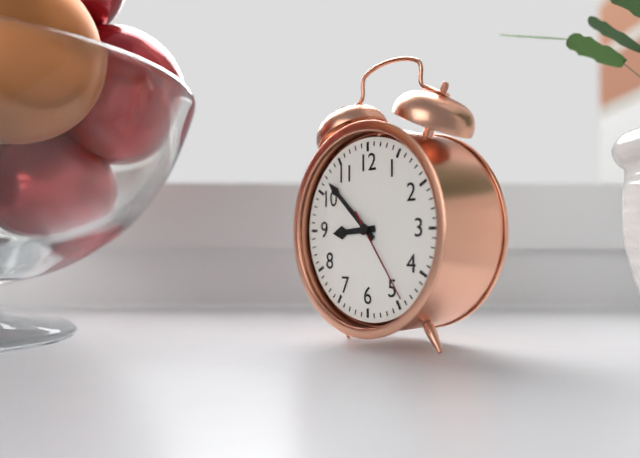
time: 8:52:24
